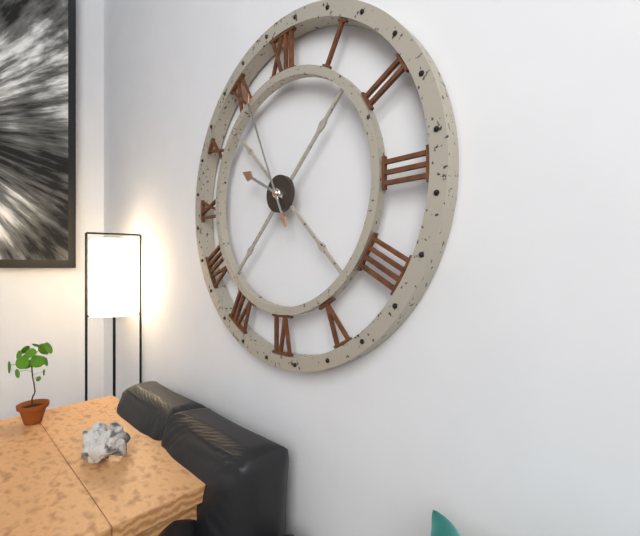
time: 9:56
